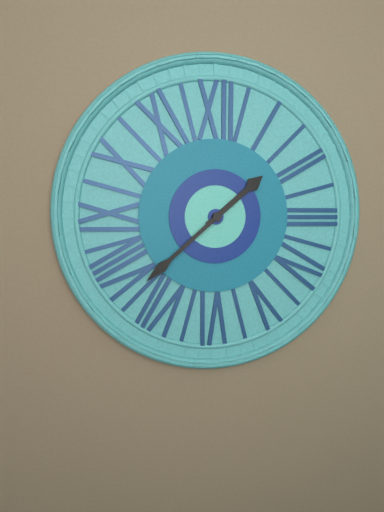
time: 1:38
